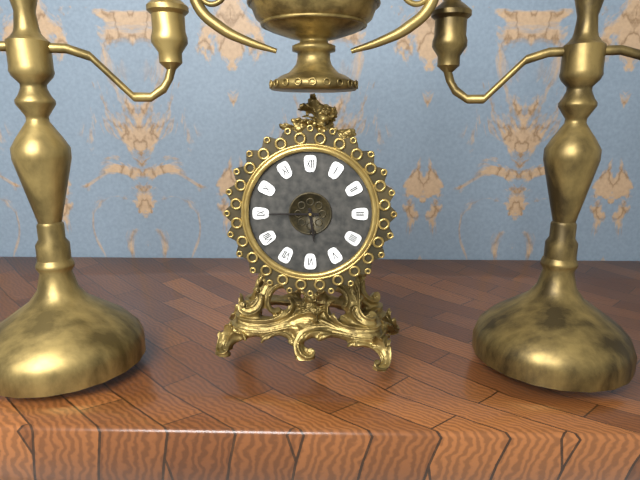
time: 5:45
